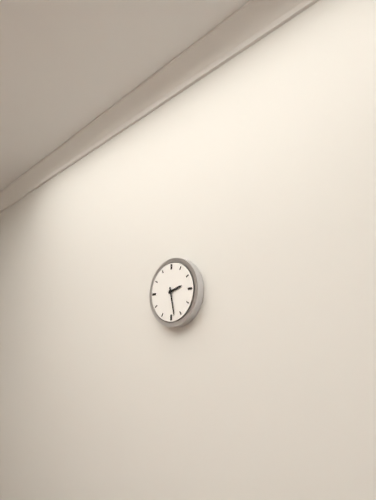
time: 2:28
